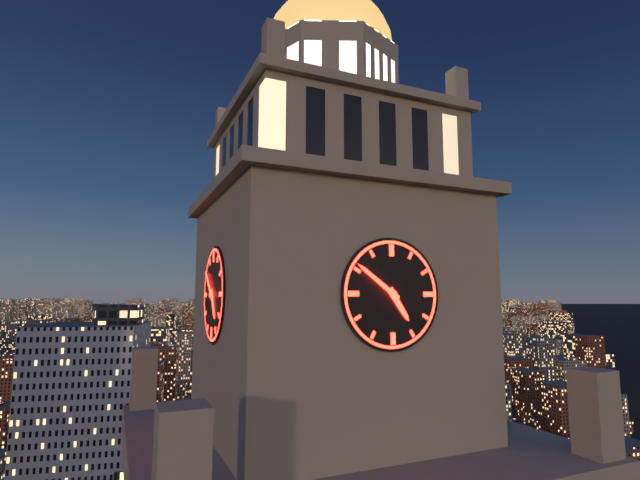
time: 4:51
